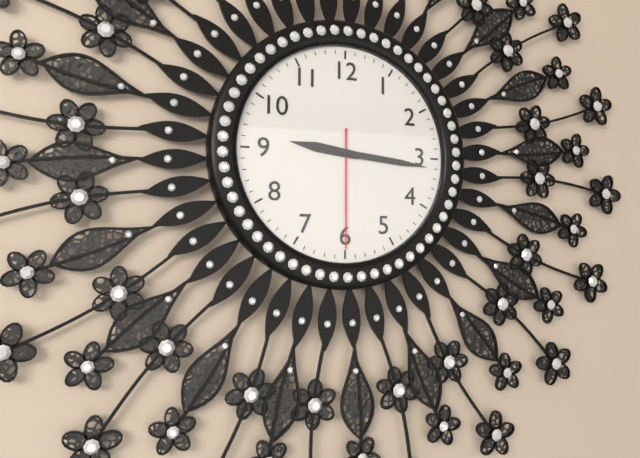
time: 9:16:30
